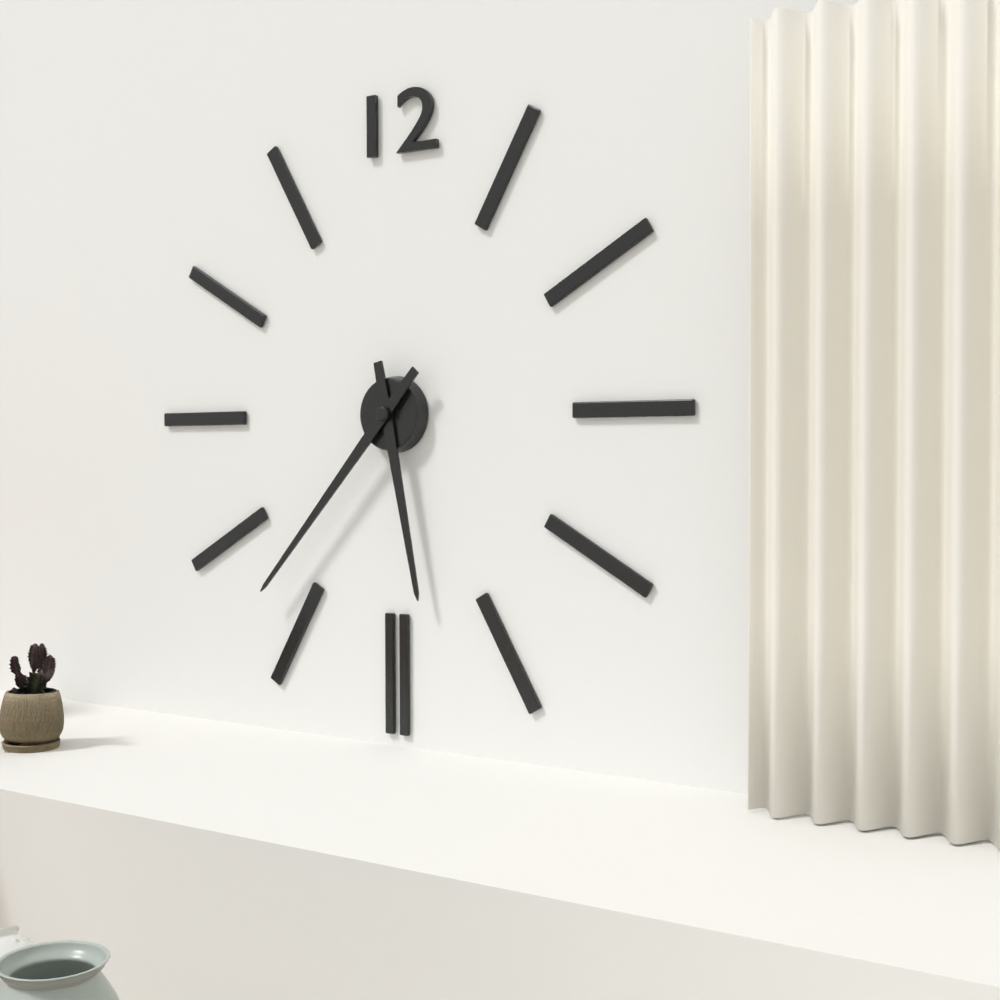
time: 5:37
